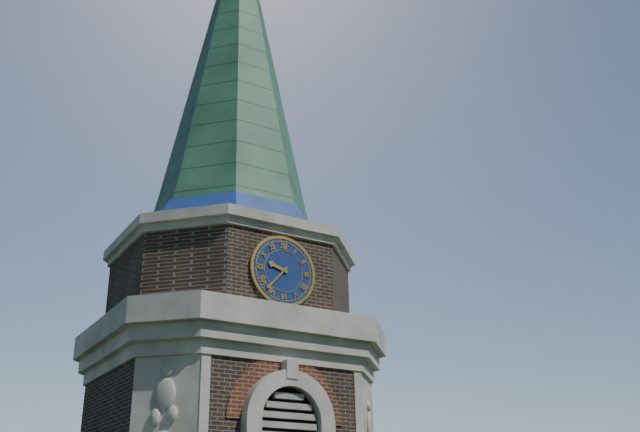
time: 9:37
